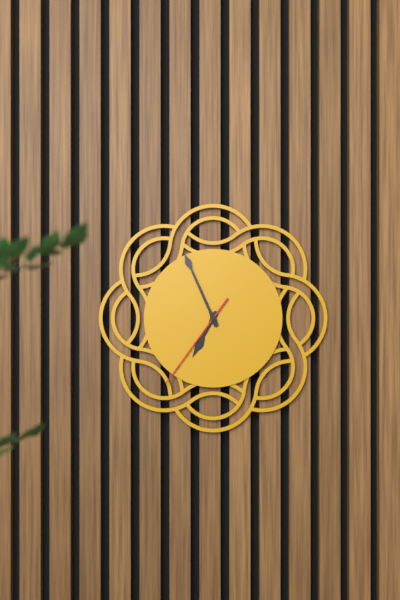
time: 6:56:36
